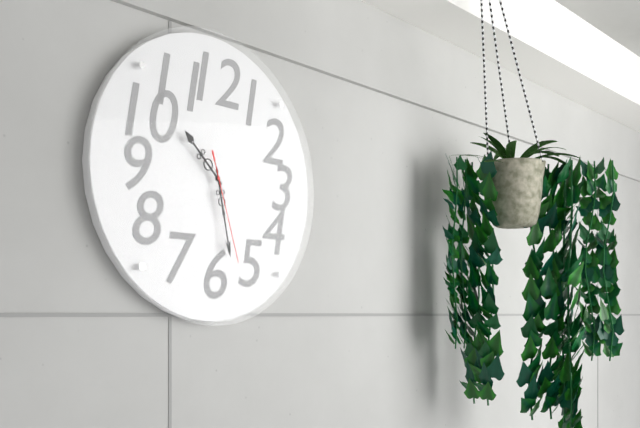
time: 10:28:27
